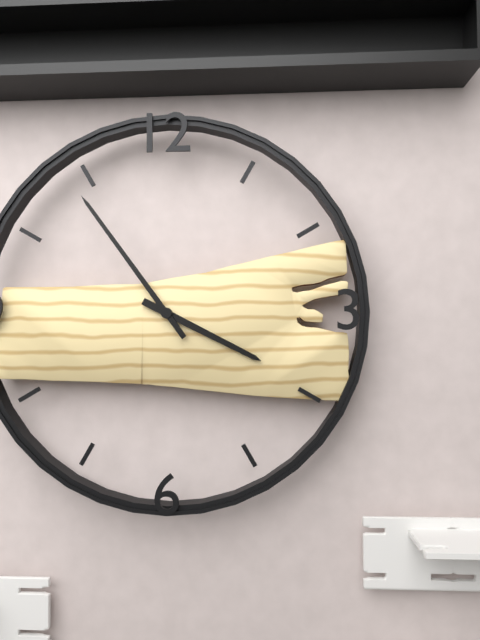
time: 3:54
